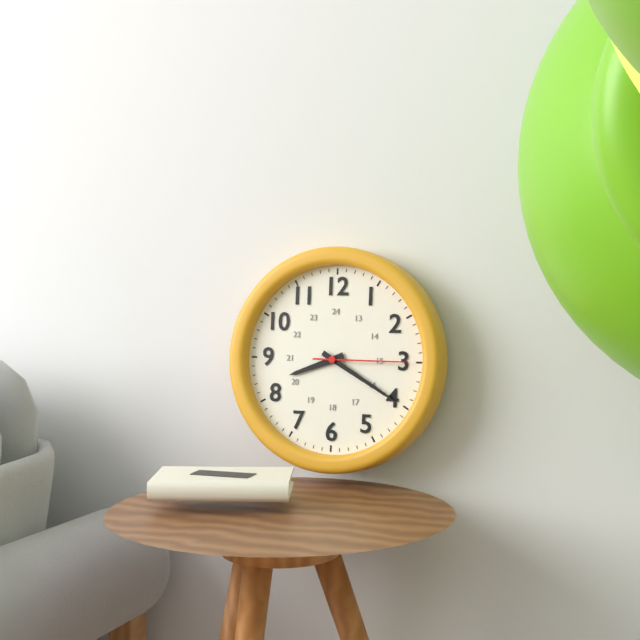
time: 8:20:15
